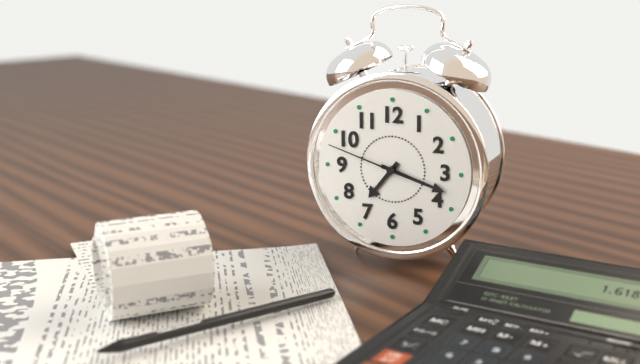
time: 7:18:48
